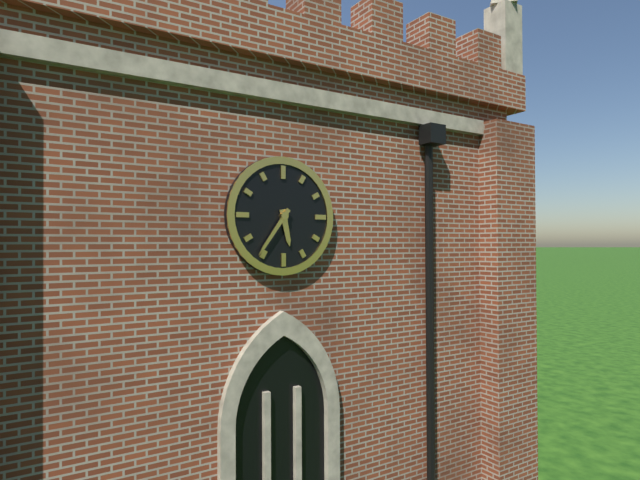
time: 5:36
